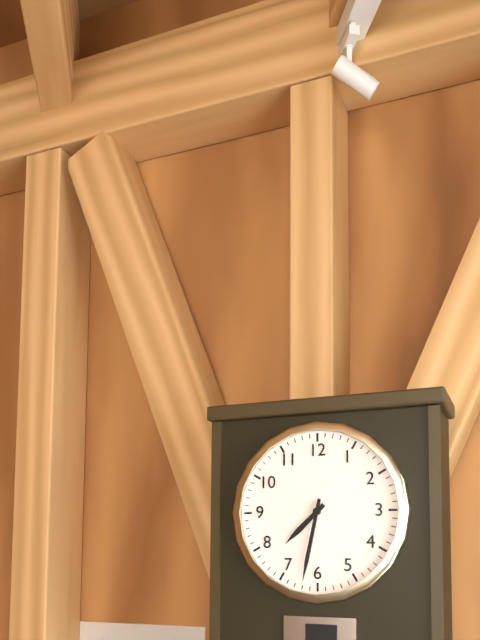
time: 7:32
